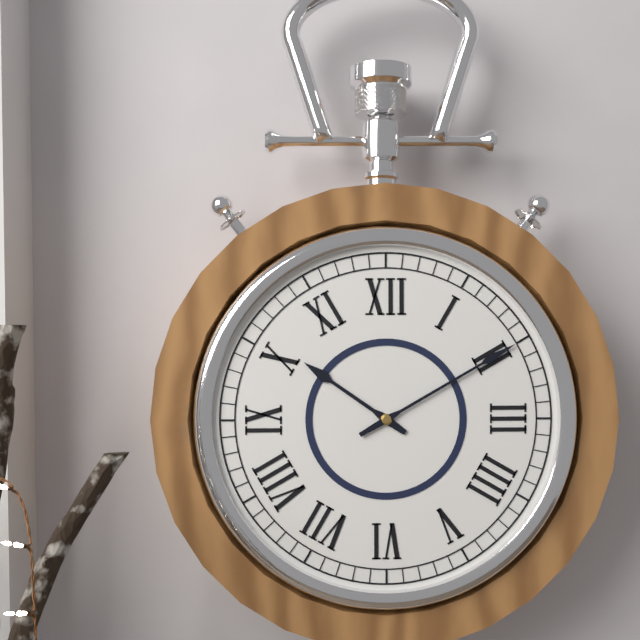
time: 10:10
